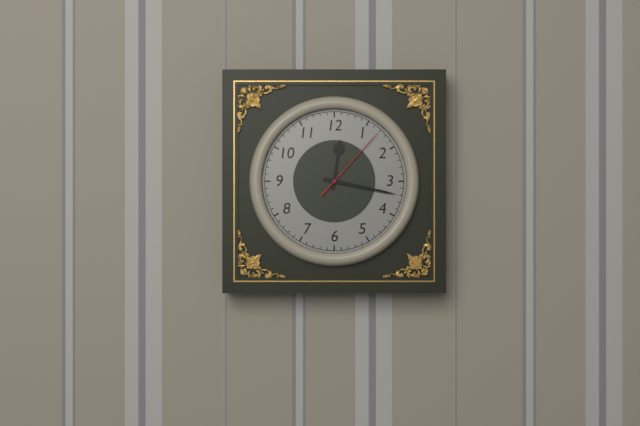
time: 12:17:07
